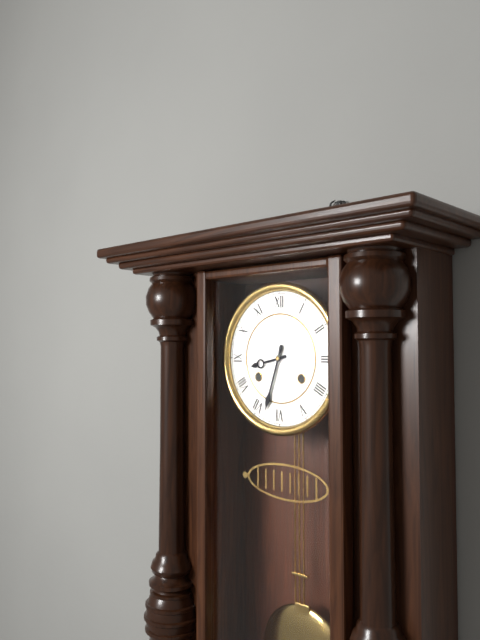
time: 8:33
